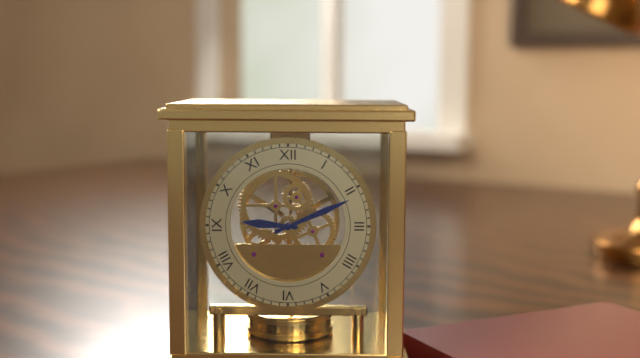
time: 9:11
